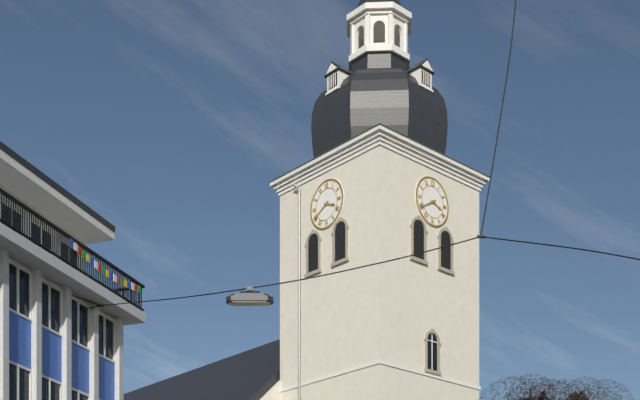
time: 3:40
